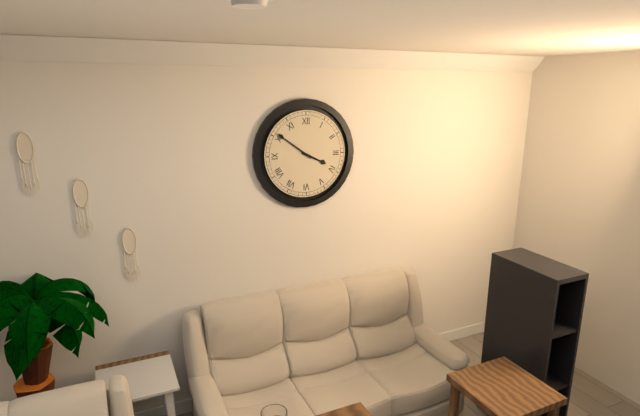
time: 3:51
